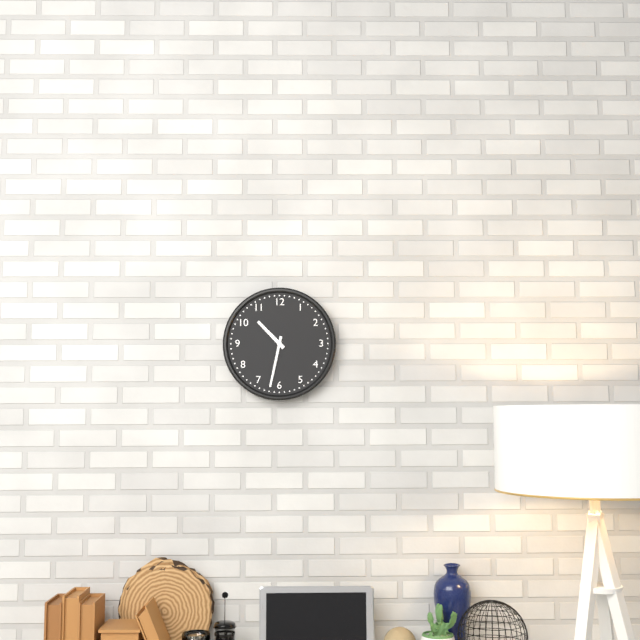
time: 10:32
